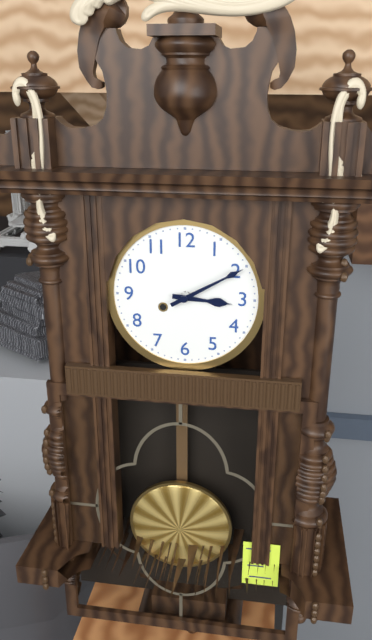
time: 3:10
